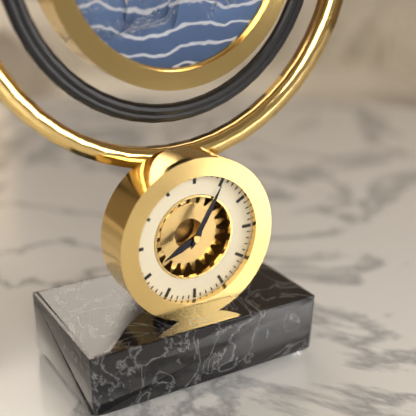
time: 8:05
